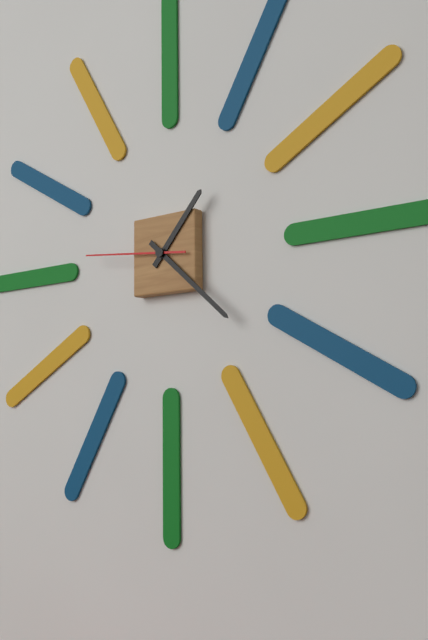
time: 1:22:46
